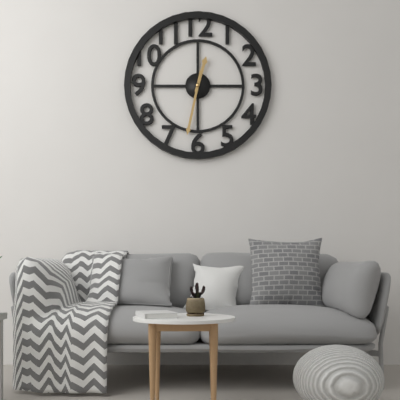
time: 12:32
